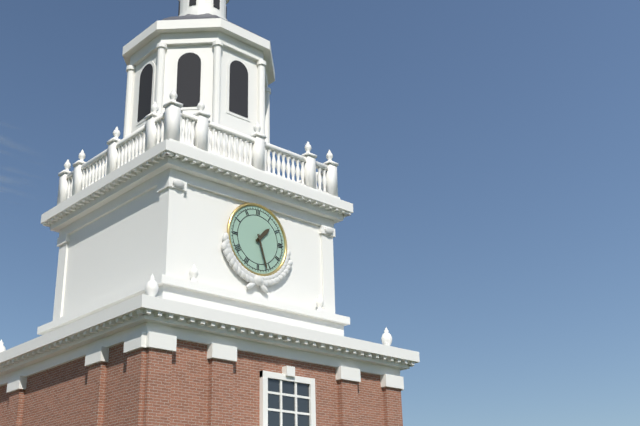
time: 1:27
